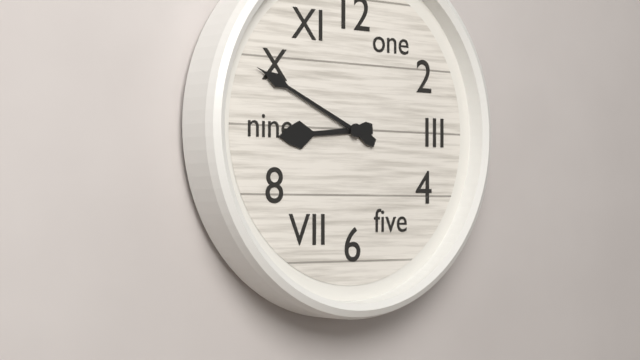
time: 8:49
